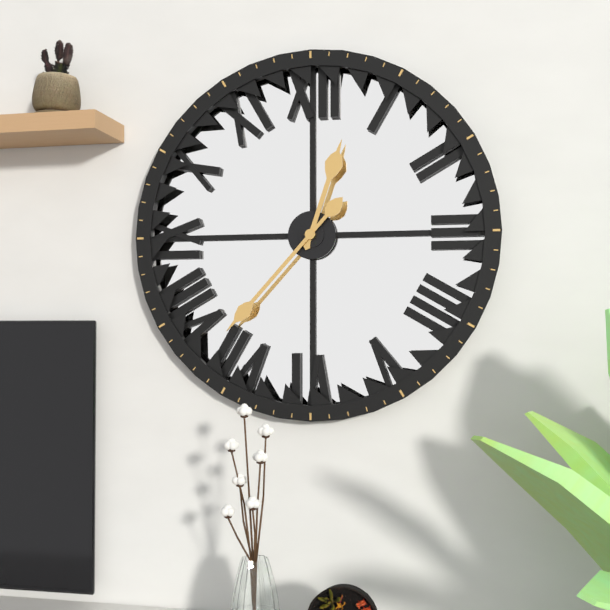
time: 12:37
